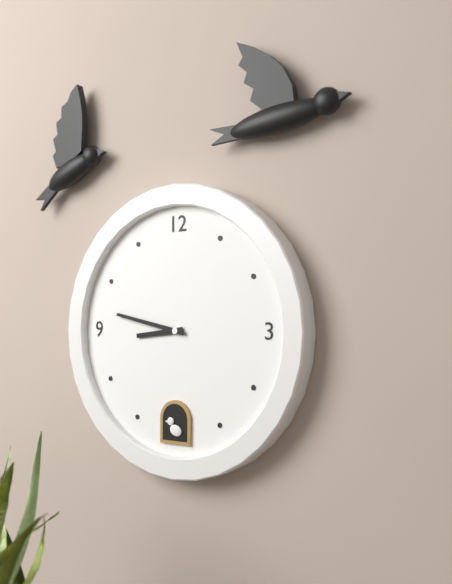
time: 8:47
